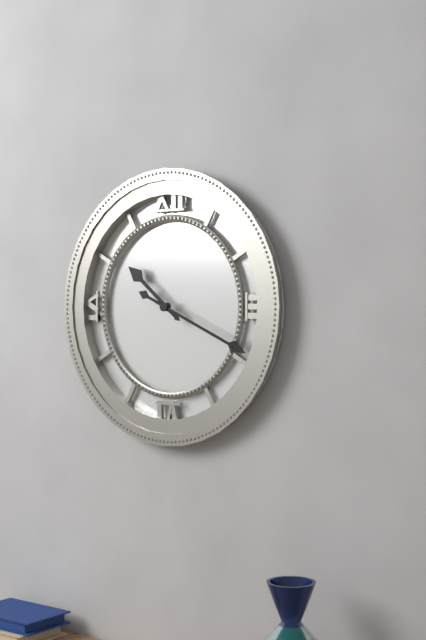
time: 10:19
